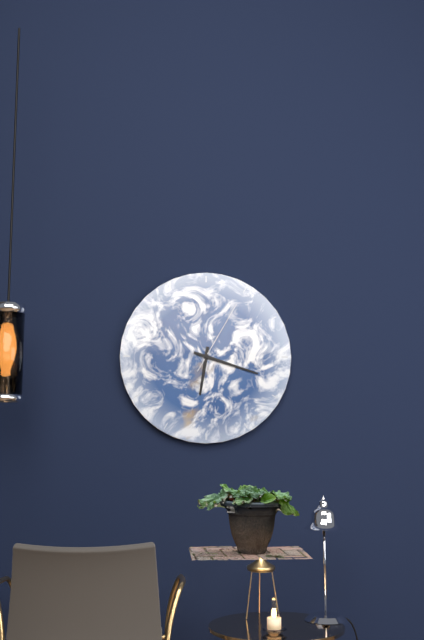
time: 6:18:05
